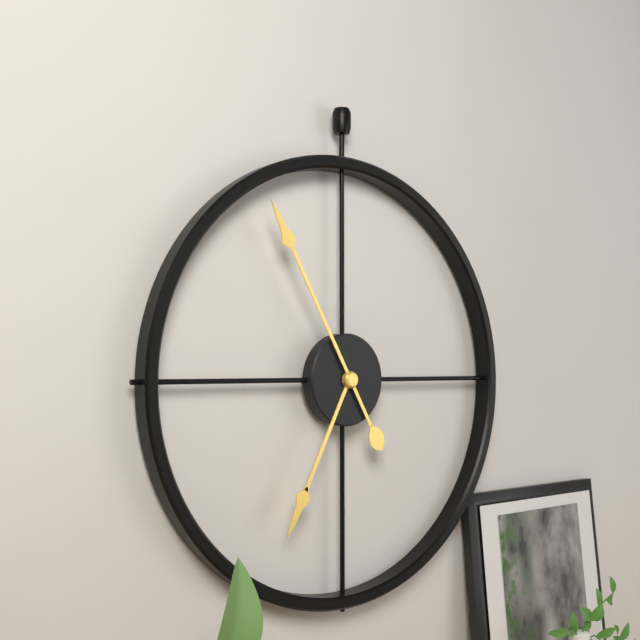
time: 6:55
